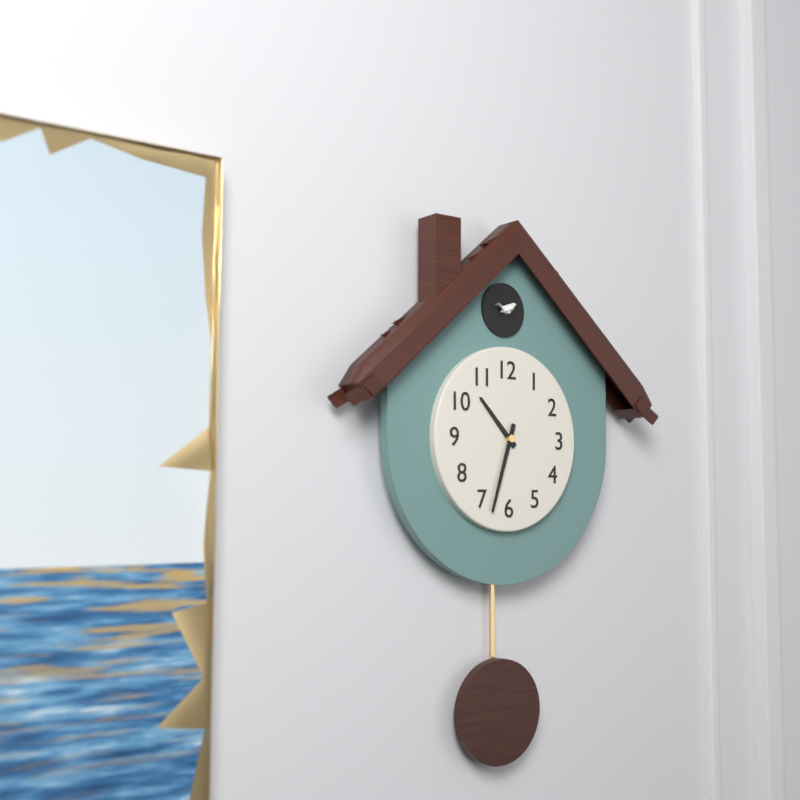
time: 10:33
